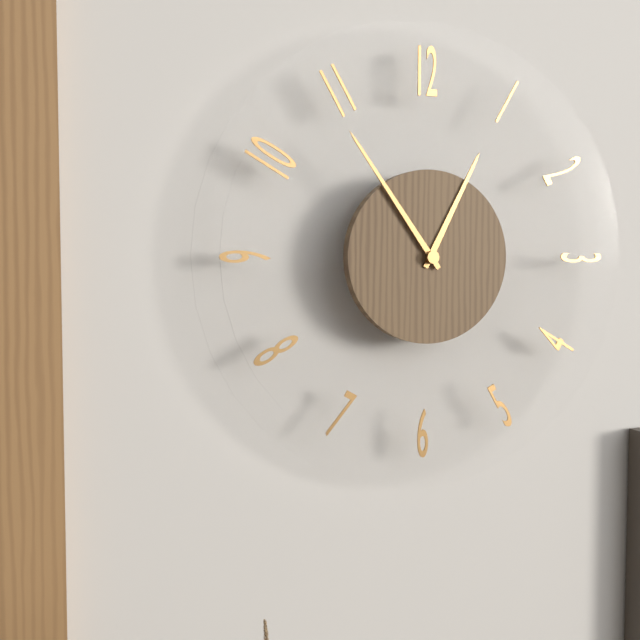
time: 12:54
